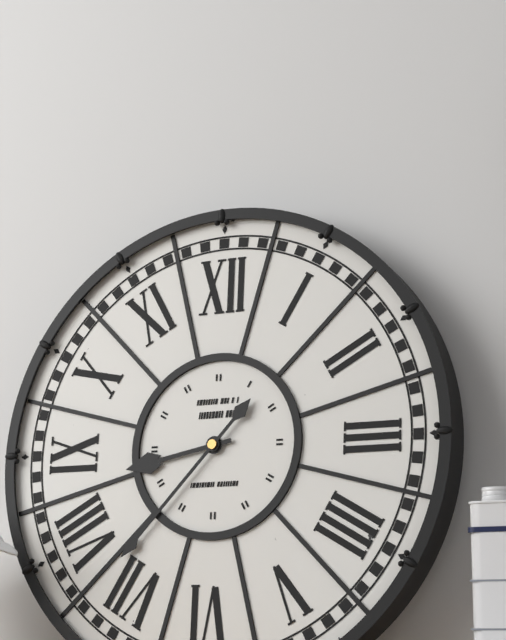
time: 8:37
